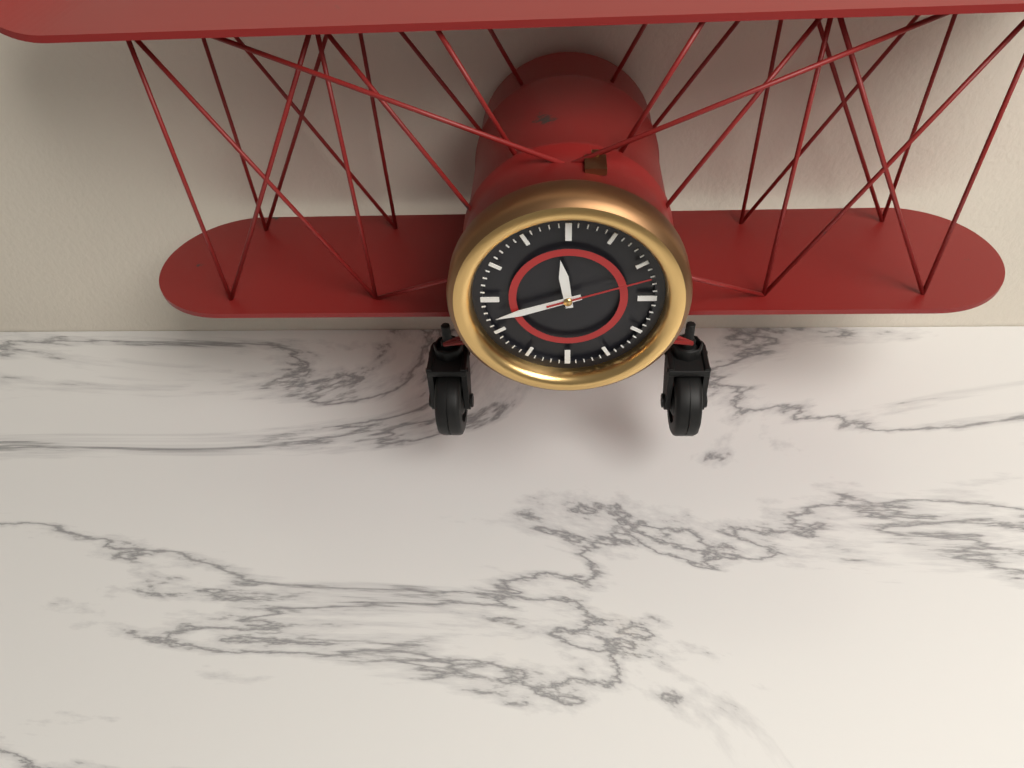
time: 11:42:12
